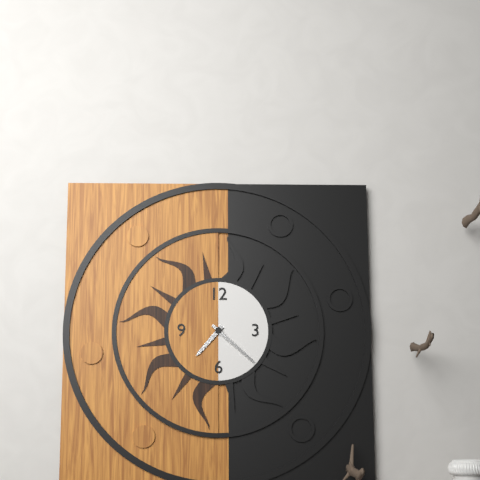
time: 7:22
